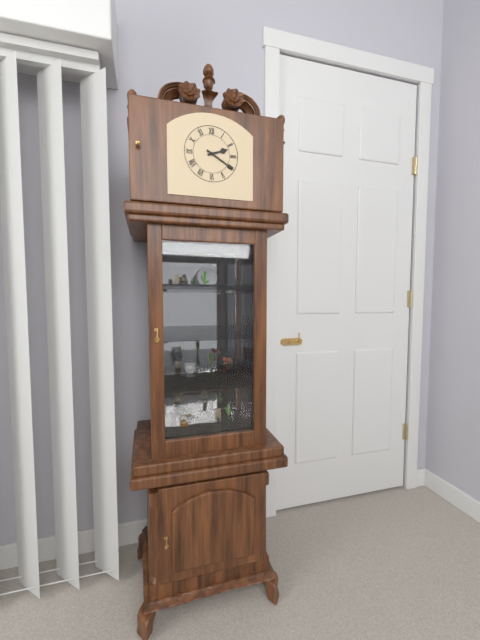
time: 2:20
